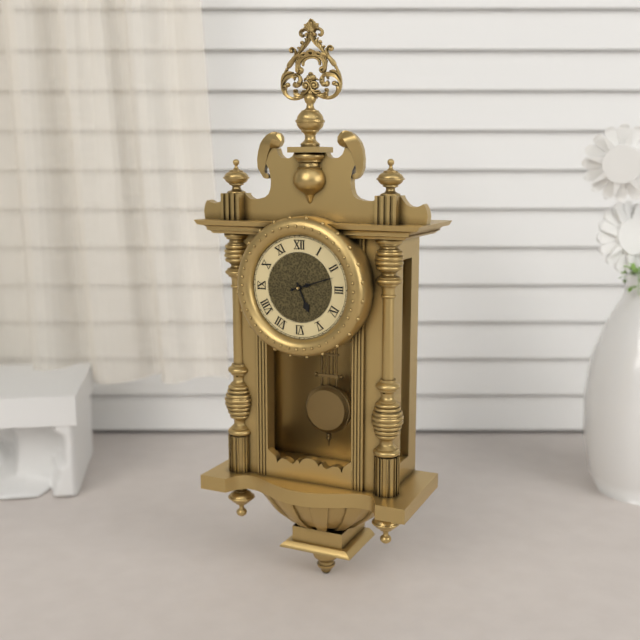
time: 5:12
